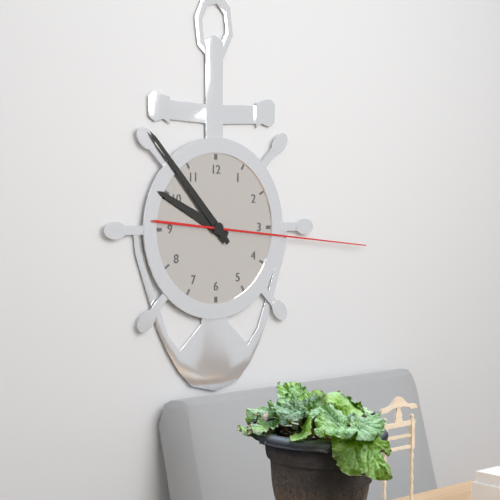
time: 9:53:16
